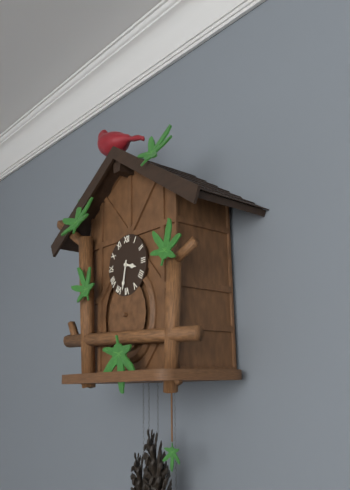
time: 3:32
